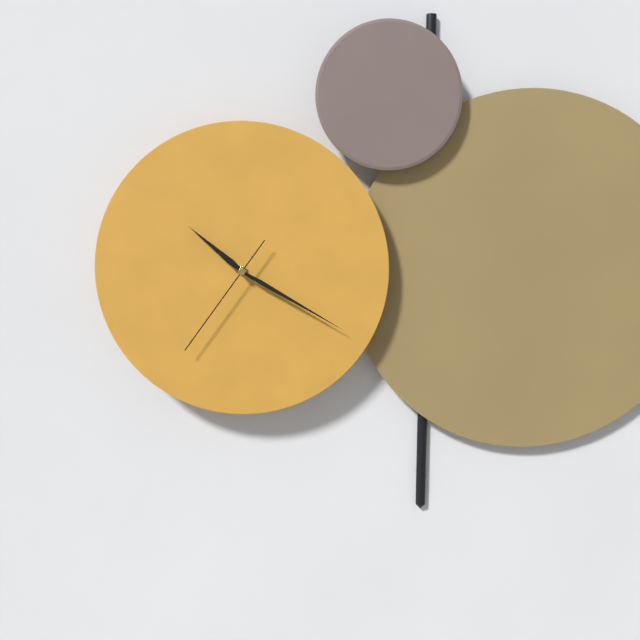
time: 10:20:36
